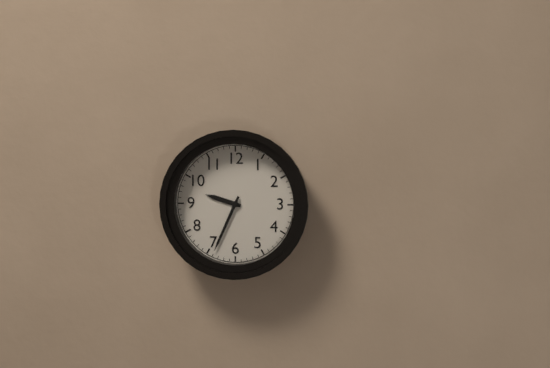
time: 9:34
